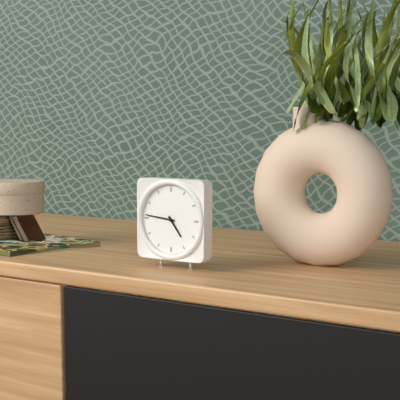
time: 4:46
